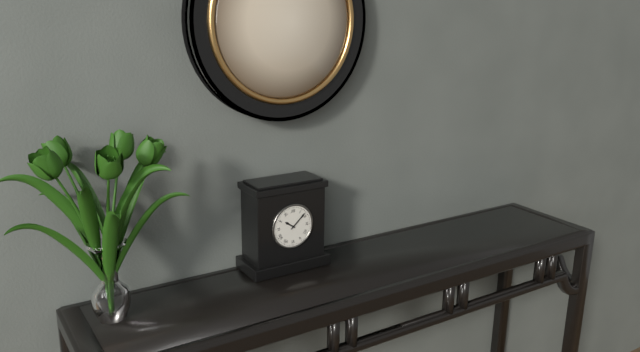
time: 10:08
